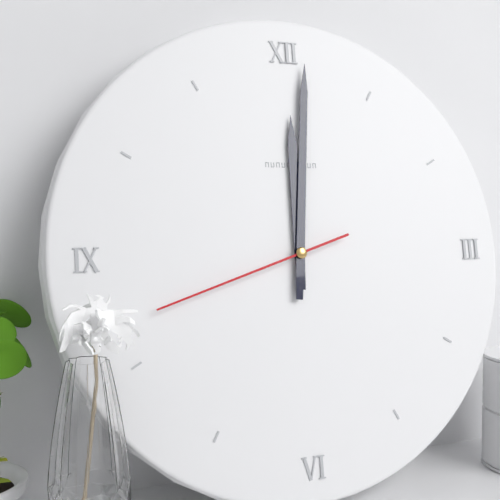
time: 12:01:42
